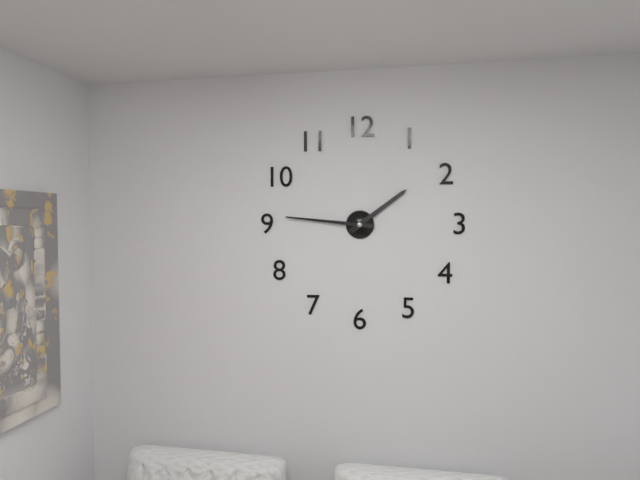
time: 1:46
